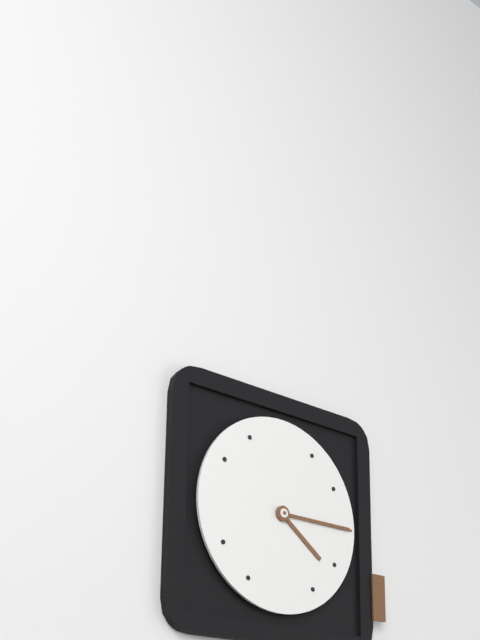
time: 4:15
